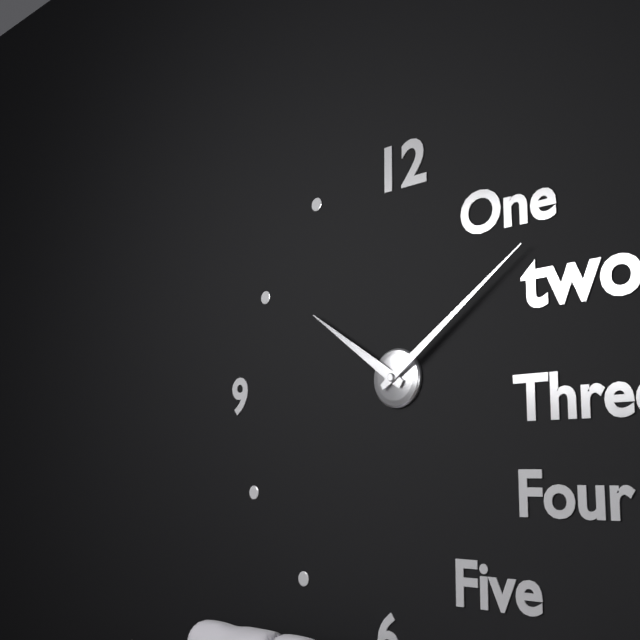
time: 10:09
